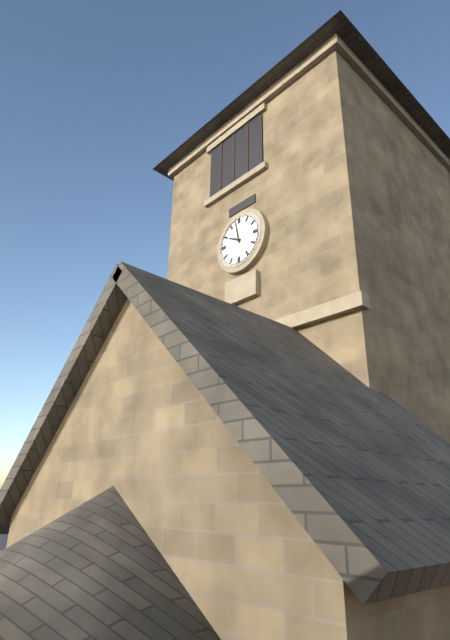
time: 9:58
